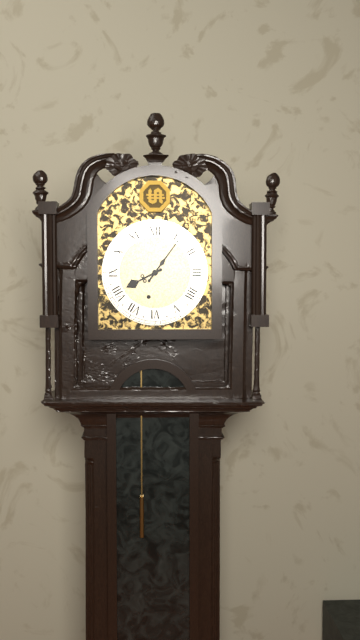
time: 8:06
